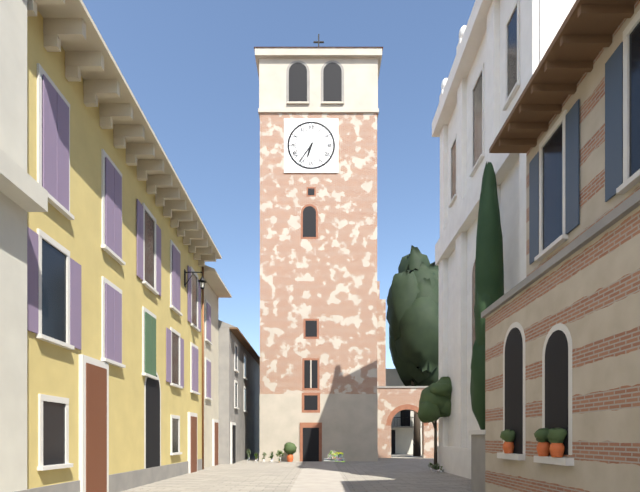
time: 6:36
